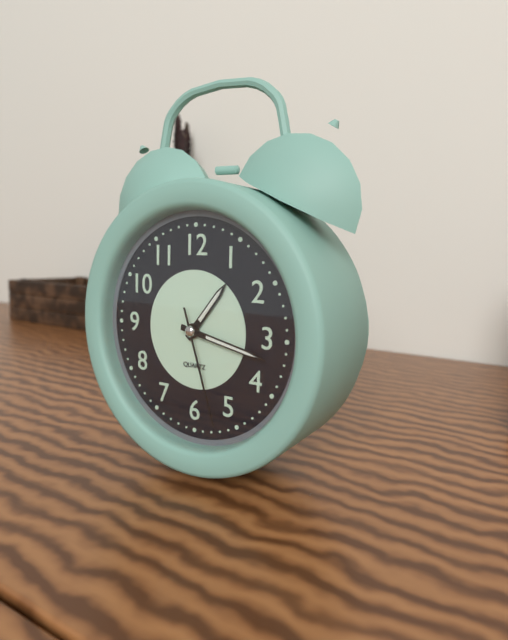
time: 1:17:27
